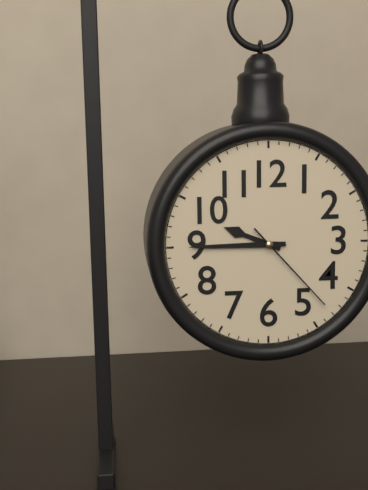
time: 9:45:23
